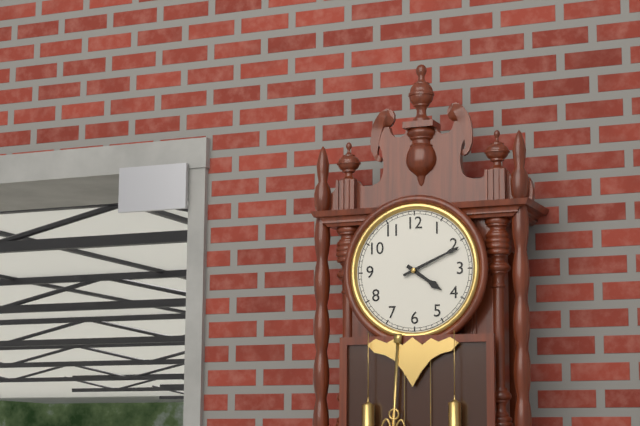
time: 4:11
